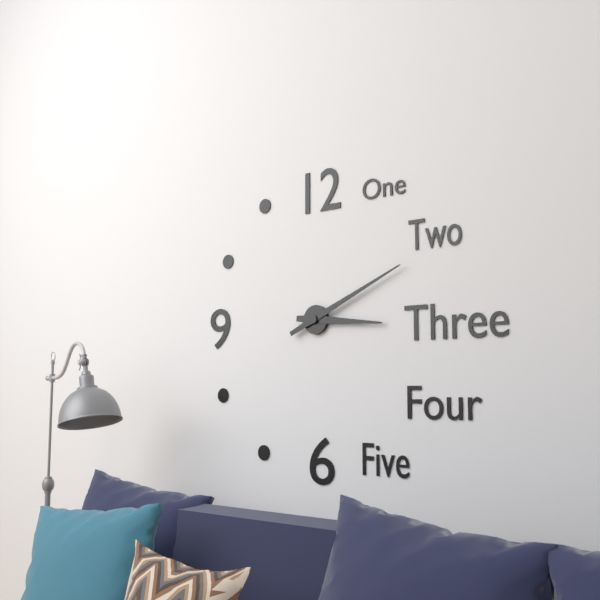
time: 3:11
